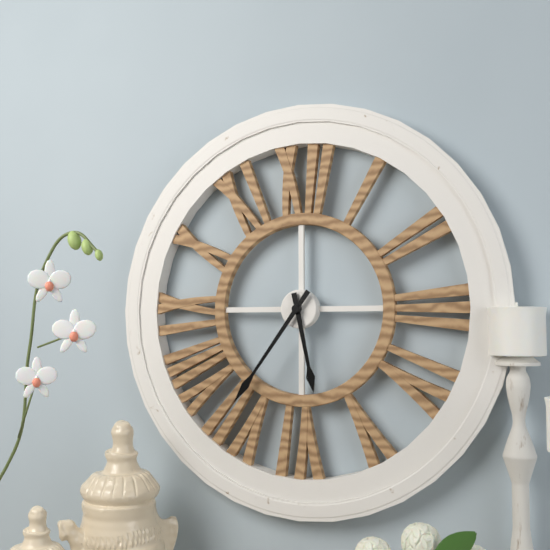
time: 5:36
